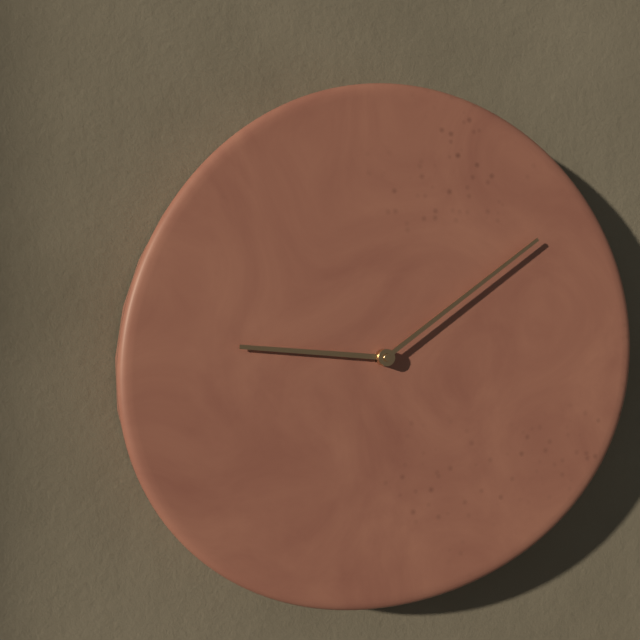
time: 9:09
